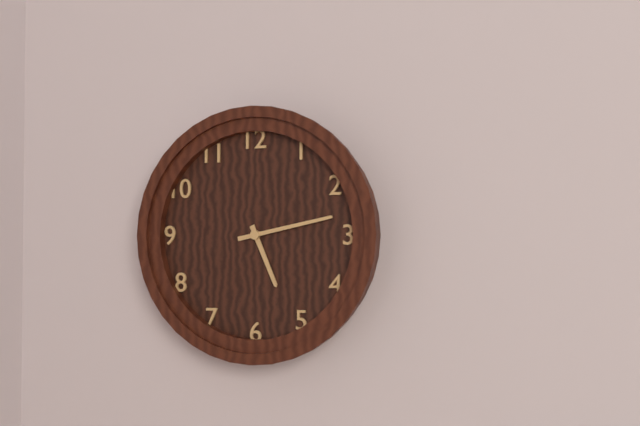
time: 5:13
